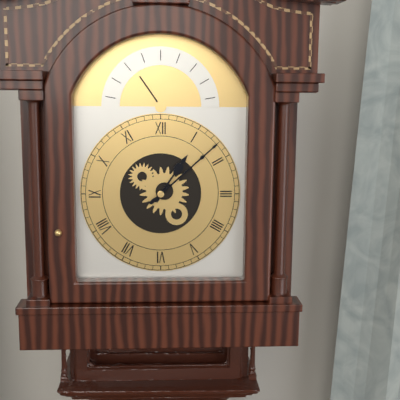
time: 1:08
